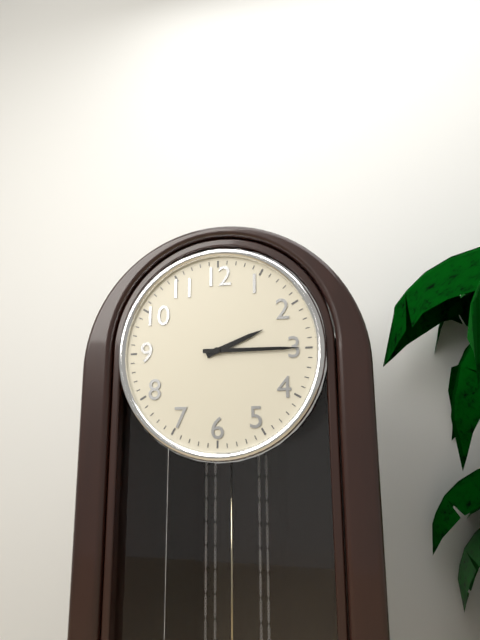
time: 2:15
